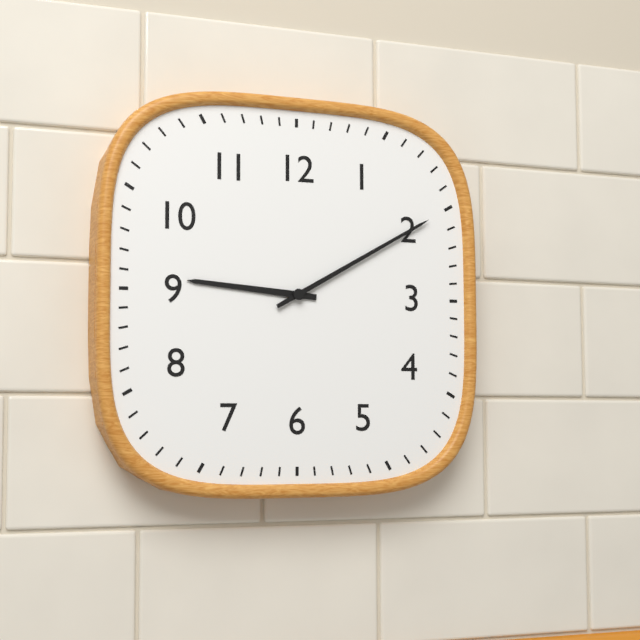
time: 9:10
